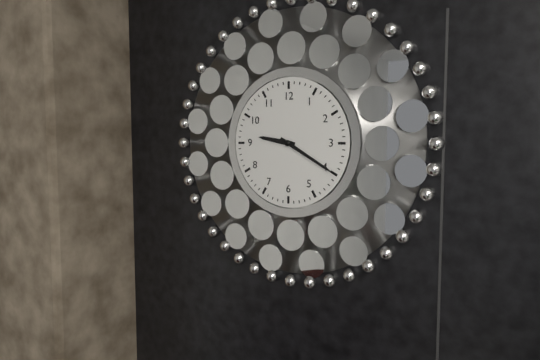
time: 9:20
